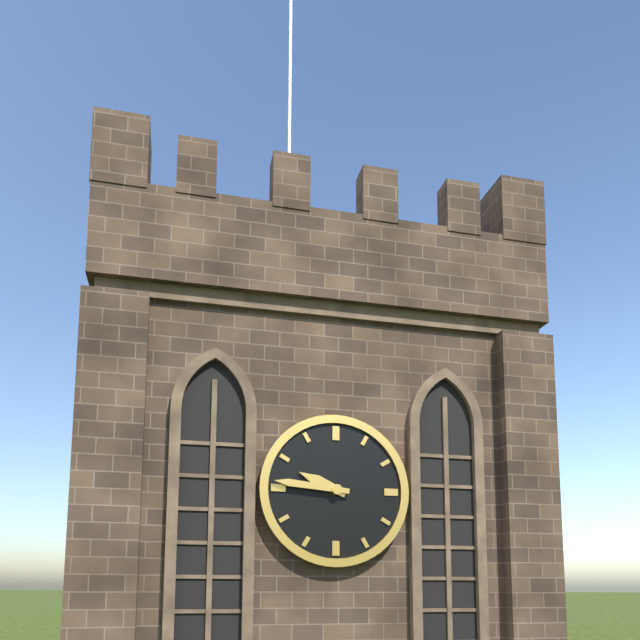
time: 9:46
